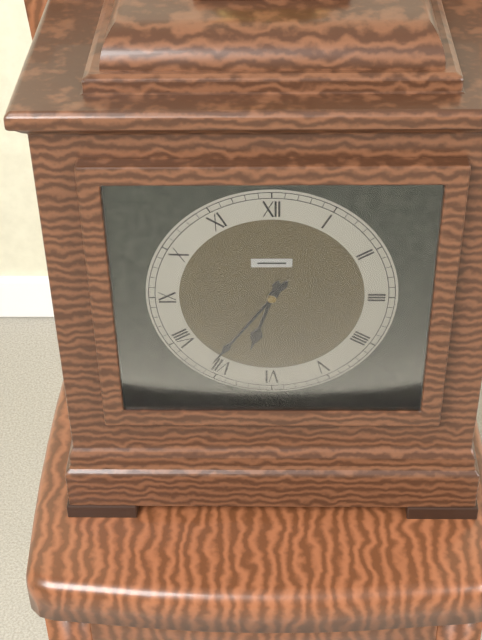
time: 6:36
